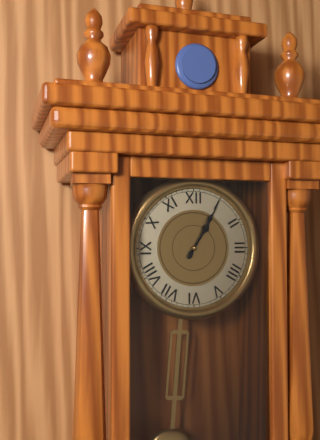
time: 1:05
